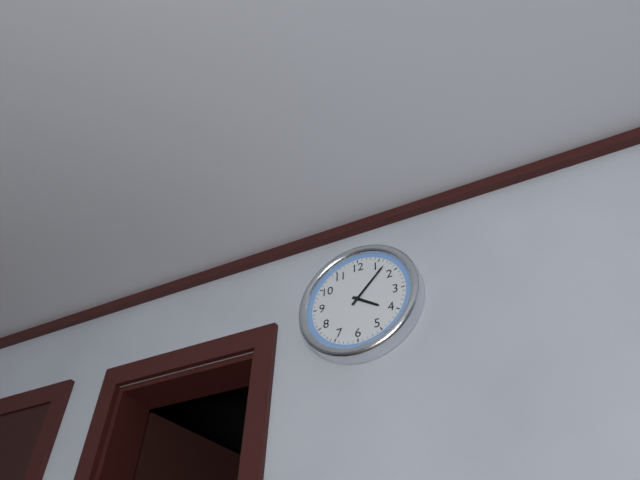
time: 4:07
